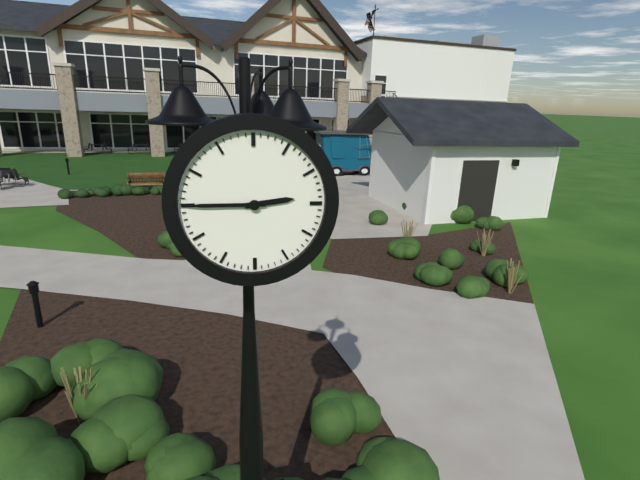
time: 2:45
